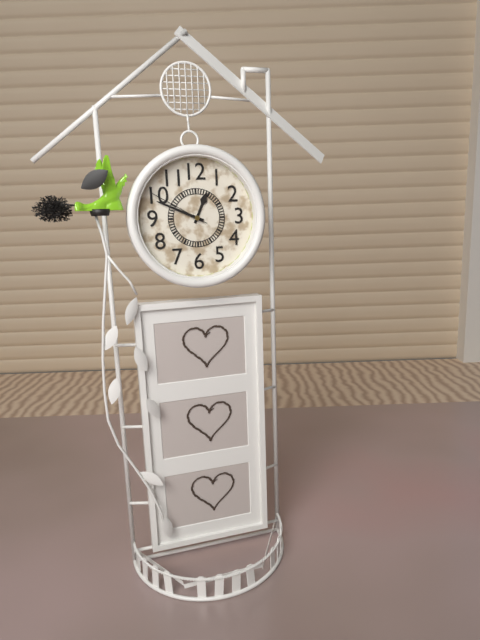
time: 12:49:50
